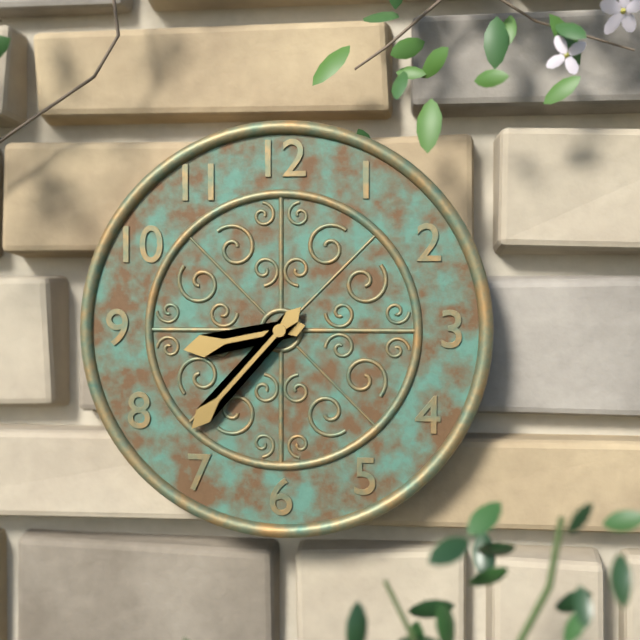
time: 8:37
